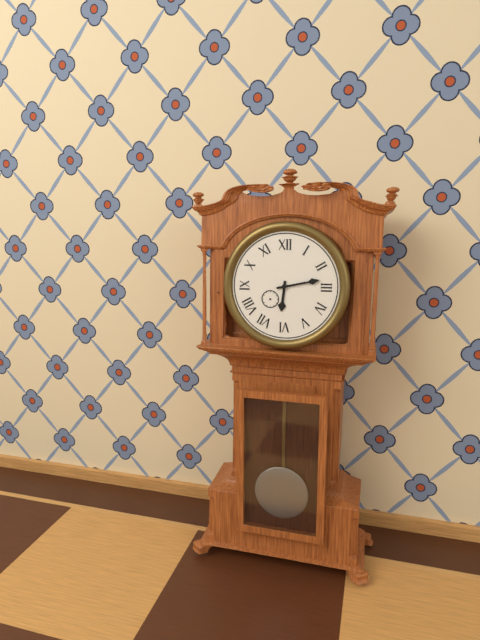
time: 6:13
